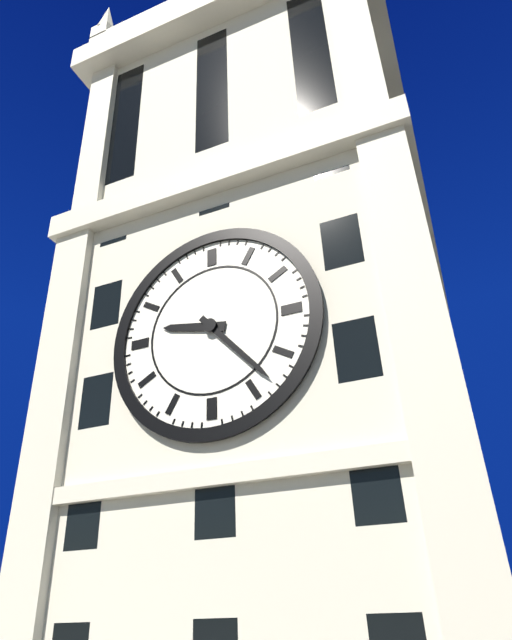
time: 9:23
